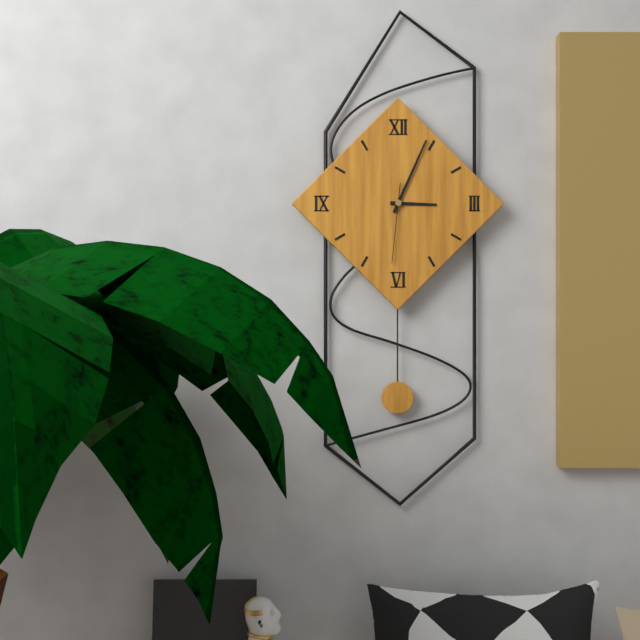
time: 3:04:31
